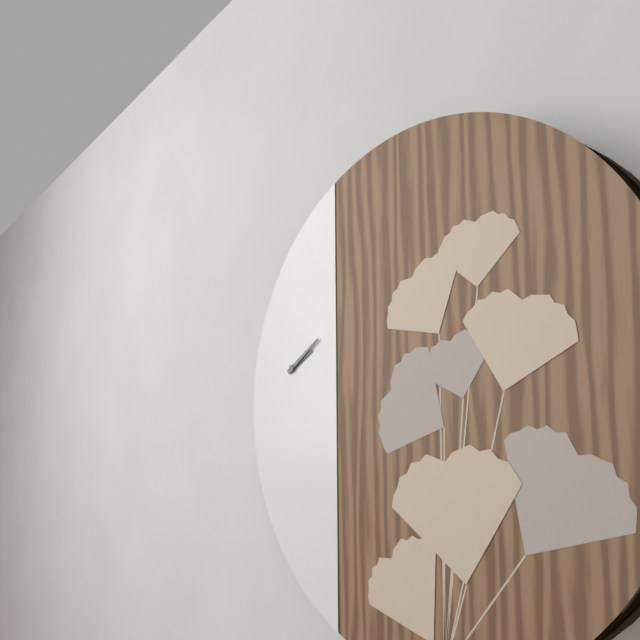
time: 2:10
